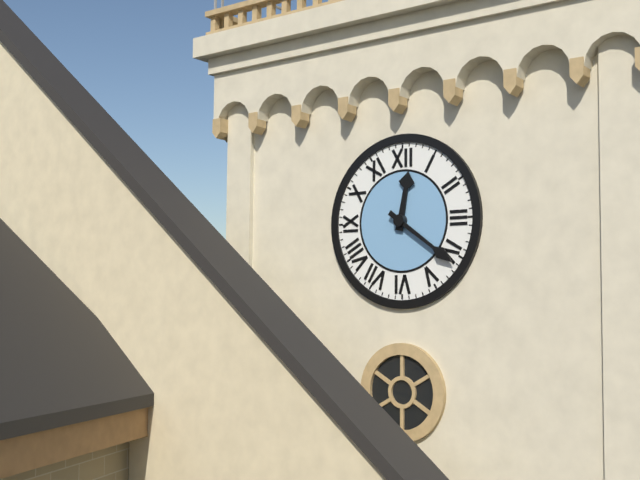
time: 12:21
